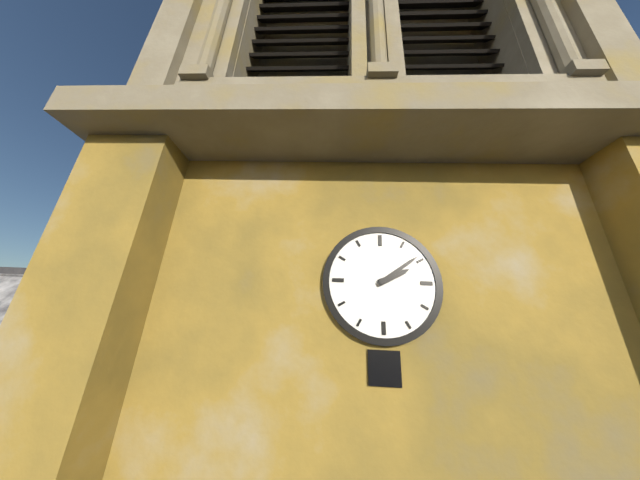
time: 2:09
